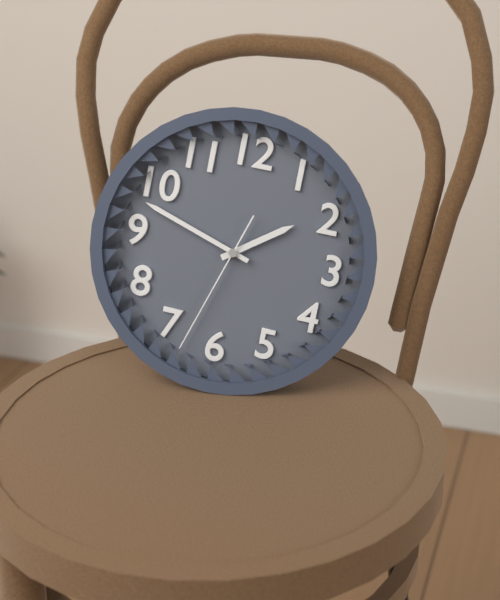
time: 1:48:33
